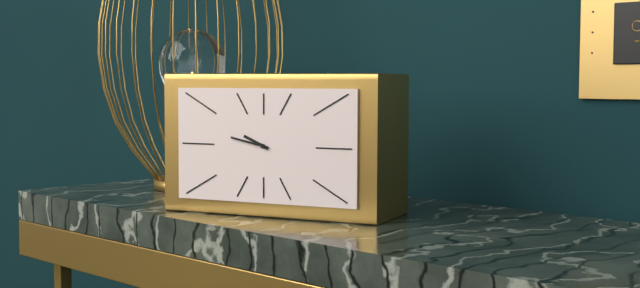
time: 9:47
